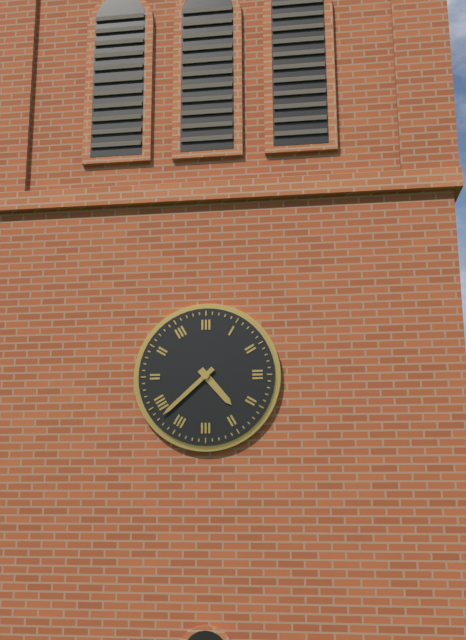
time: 4:38
